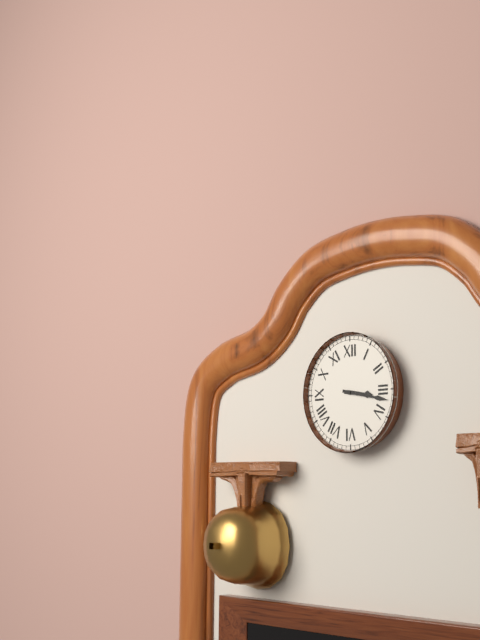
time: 3:17
